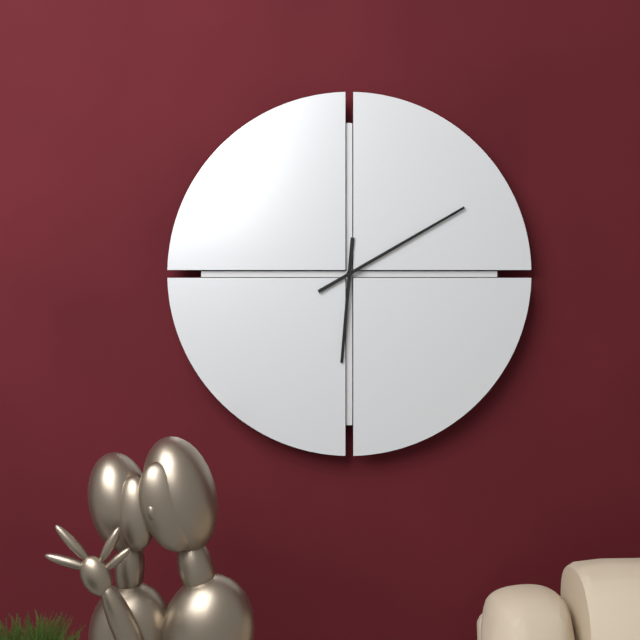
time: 6:10
